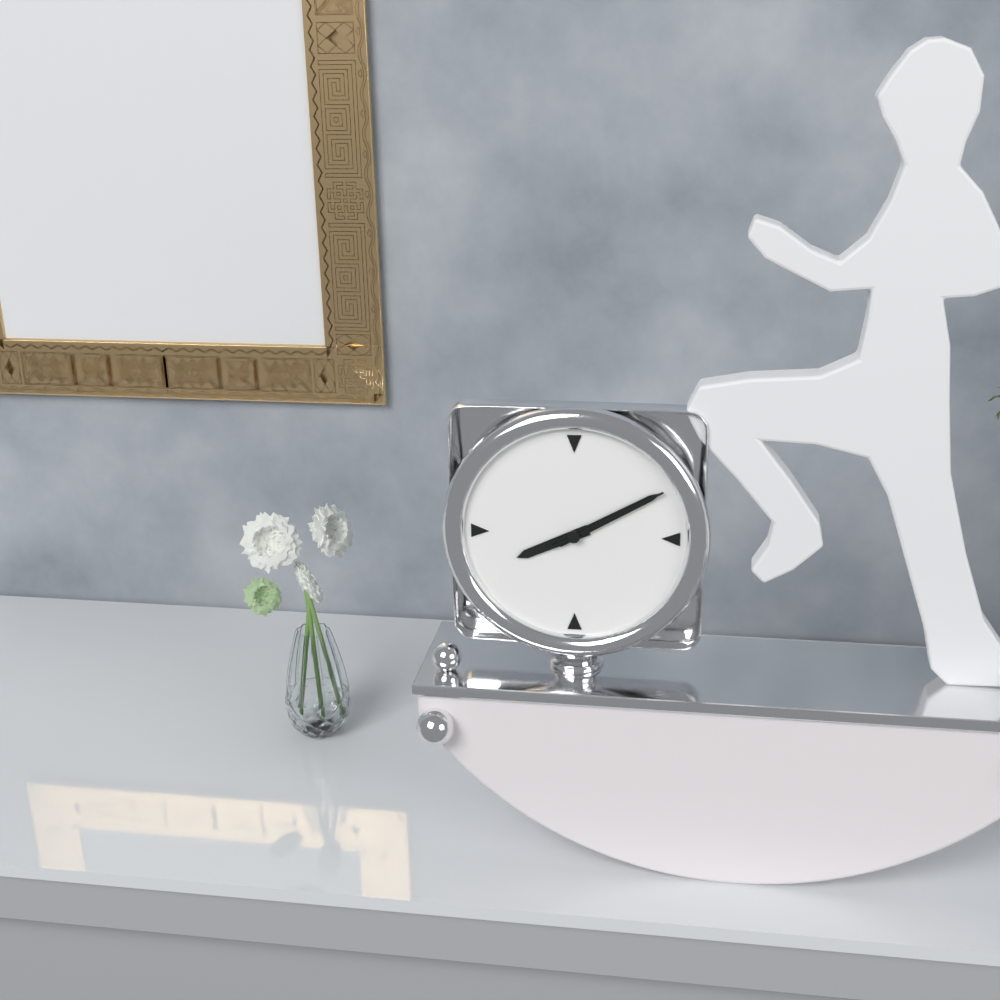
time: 8:10:10
